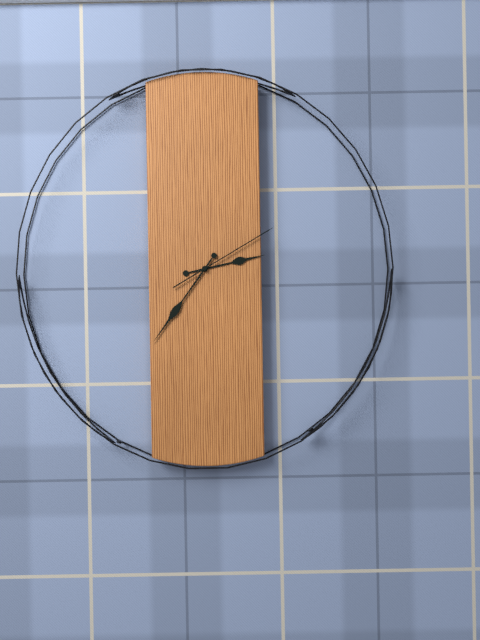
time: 2:36:10
